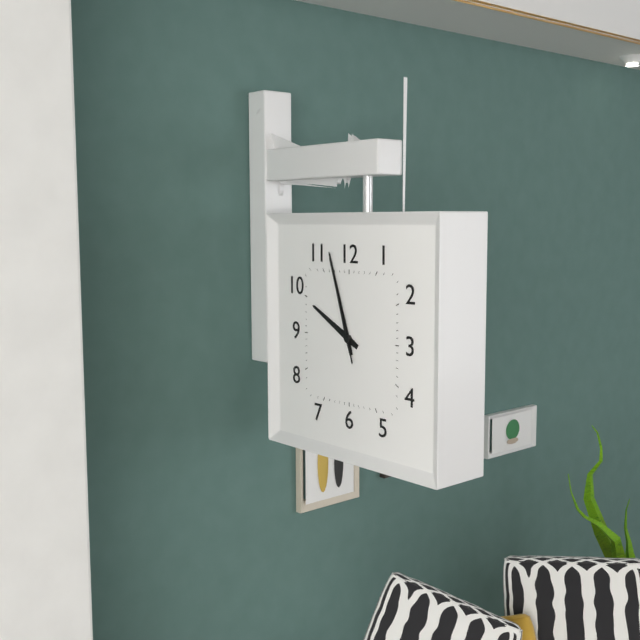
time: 9:57:57
